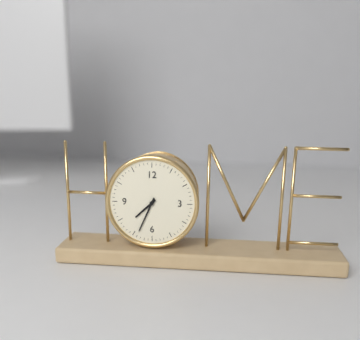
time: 7:34
